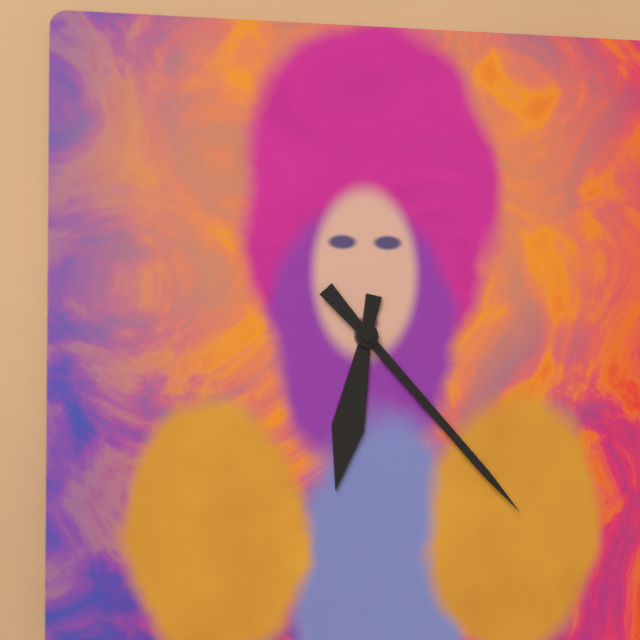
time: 6:23
